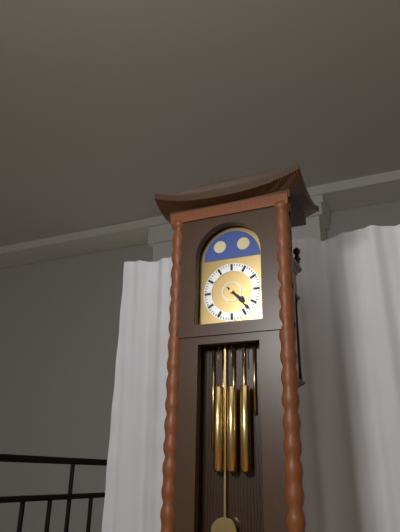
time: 4:23
